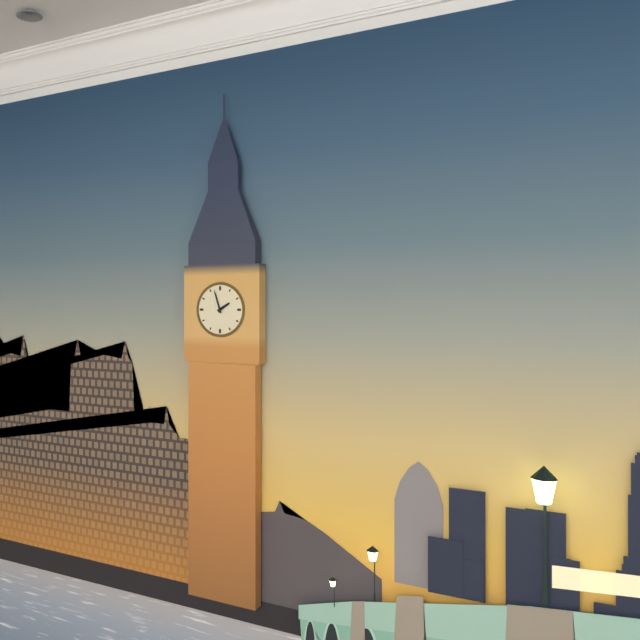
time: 1:57
